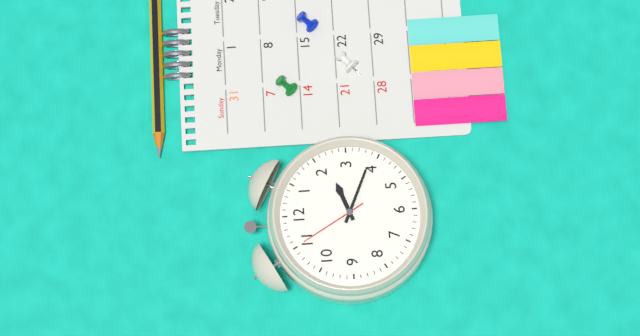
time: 2:19:55
